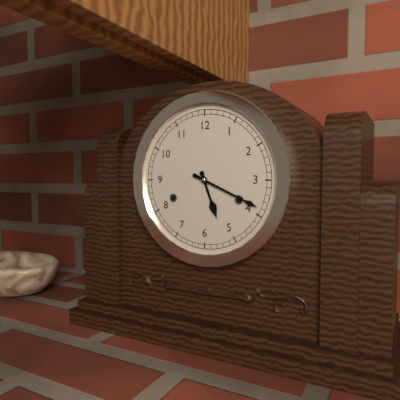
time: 5:19
